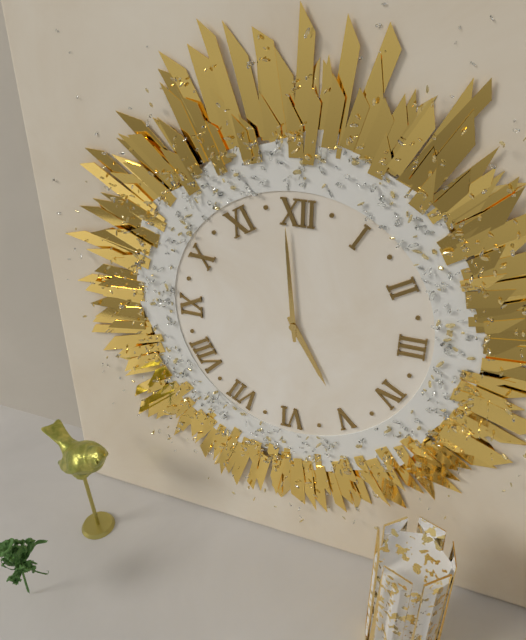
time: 4:59
